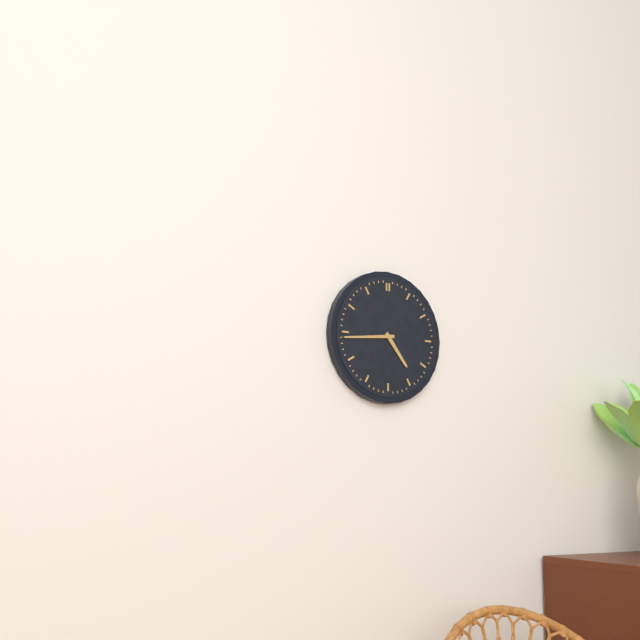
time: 4:44
